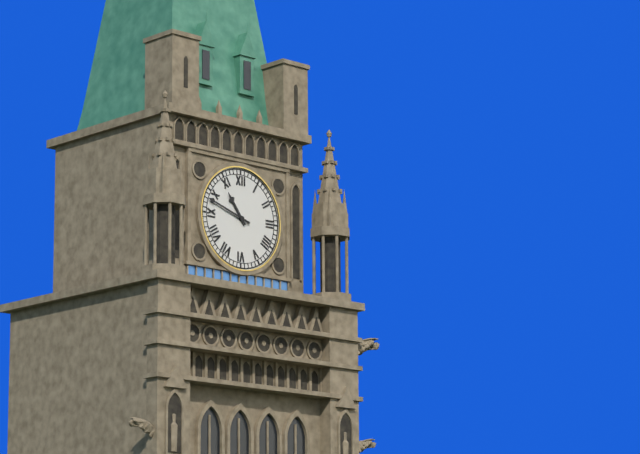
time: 10:48
